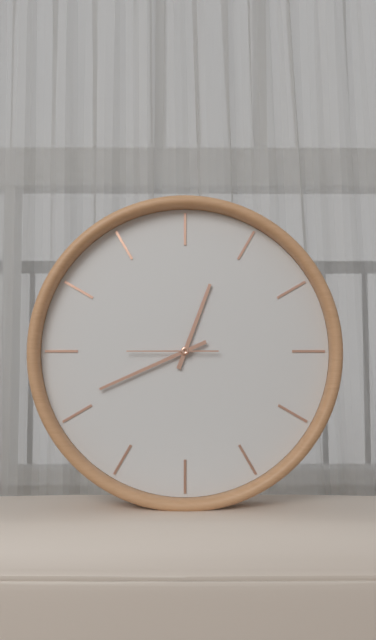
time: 12:41:45
